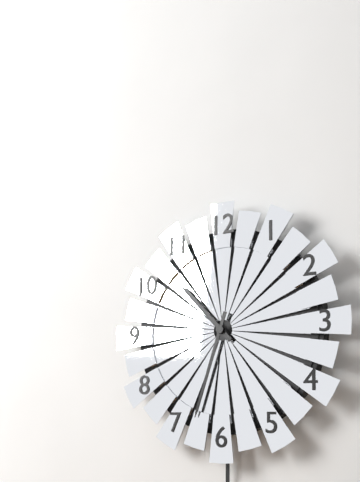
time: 10:33
